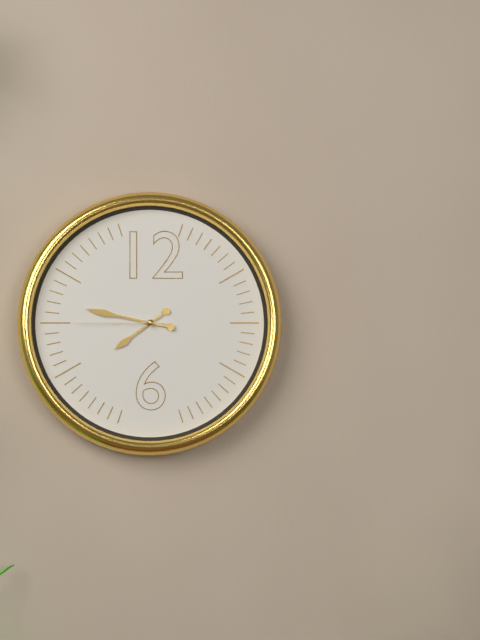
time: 7:47:45
